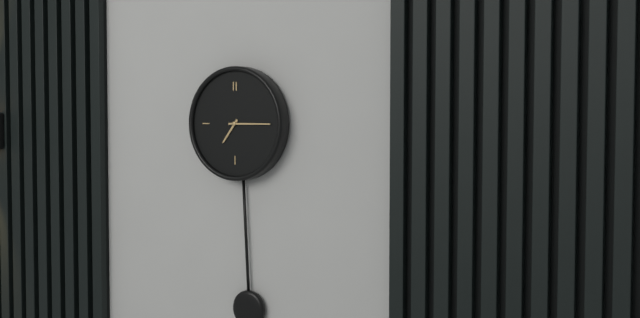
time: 7:15
